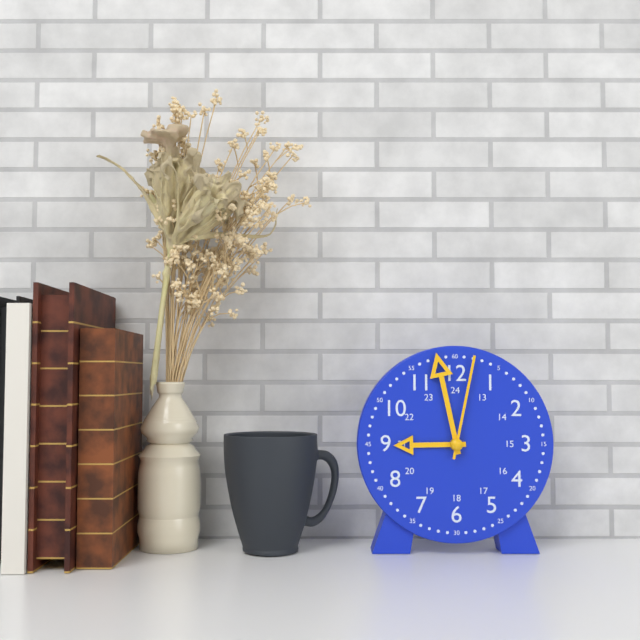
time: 8:58:02
